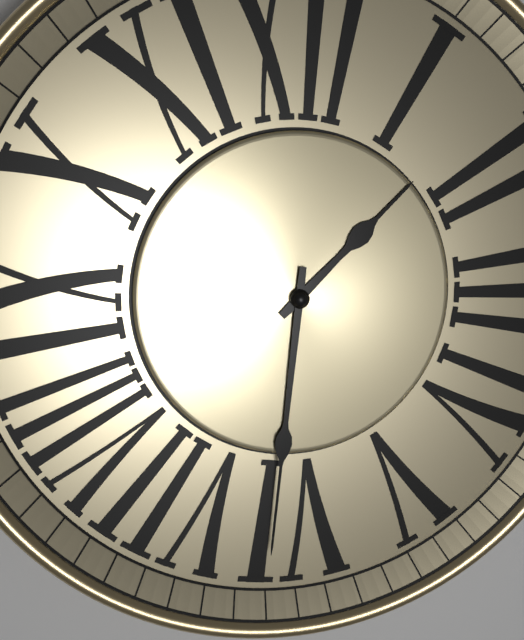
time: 1:31
